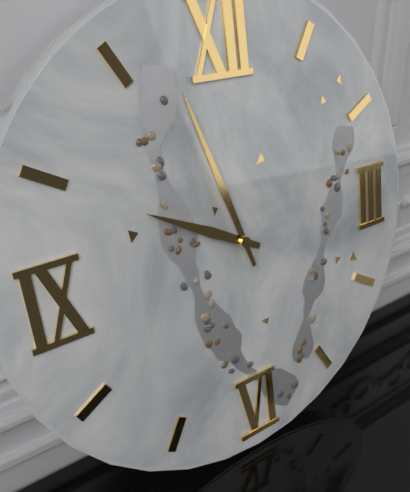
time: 9:57
